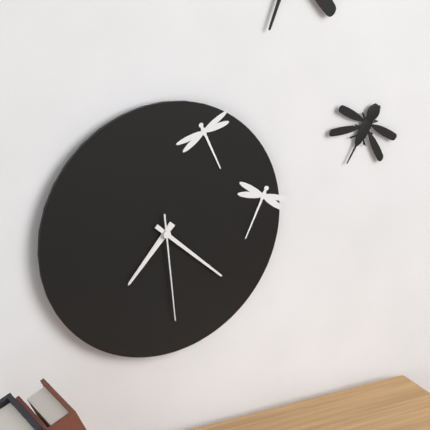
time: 7:22:29
